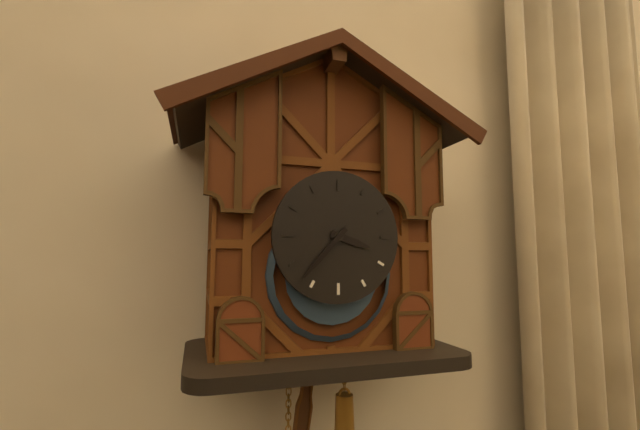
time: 3:37
